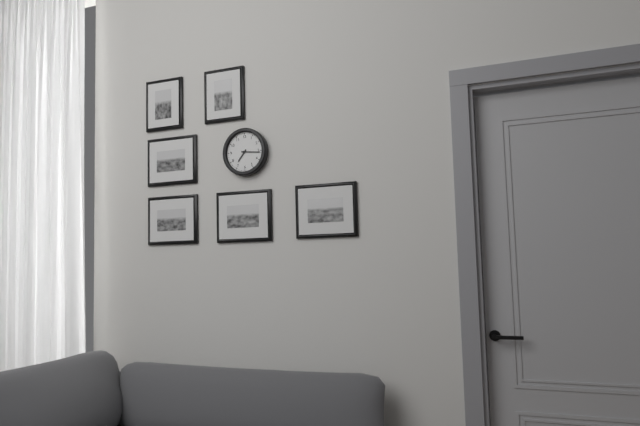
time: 7:16
